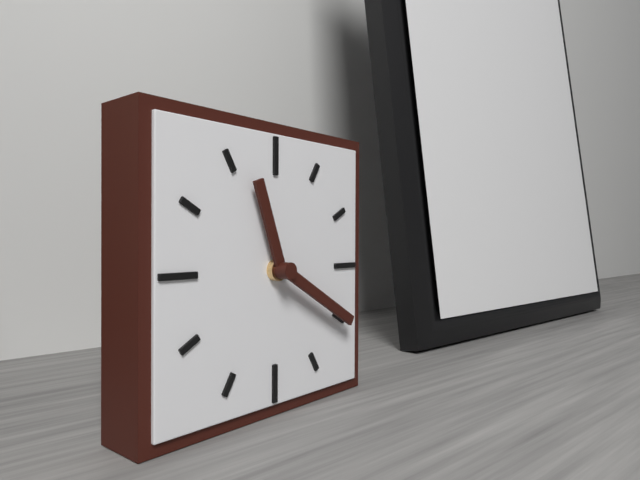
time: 11:20
